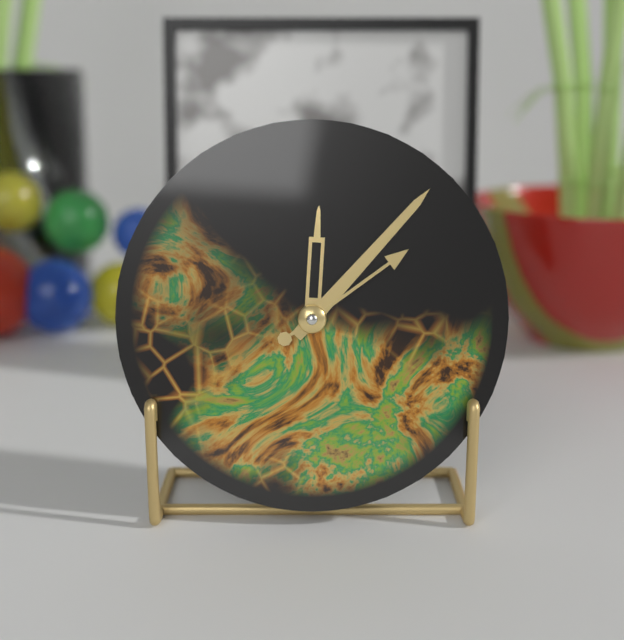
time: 12:07:09
